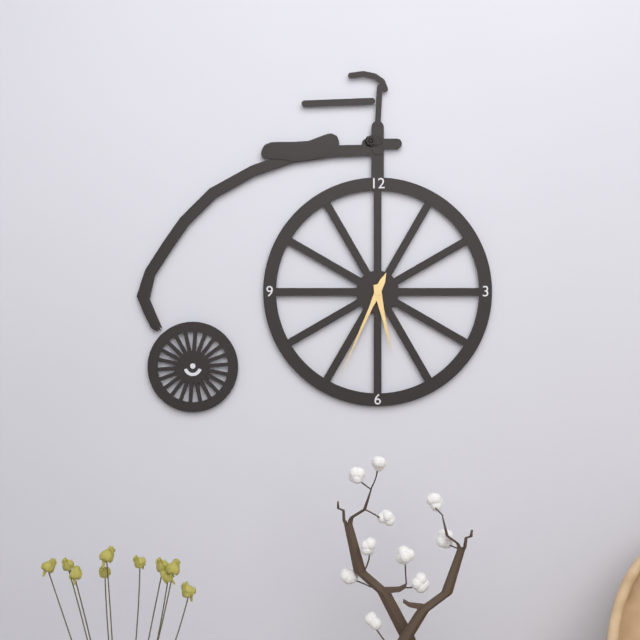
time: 5:34
